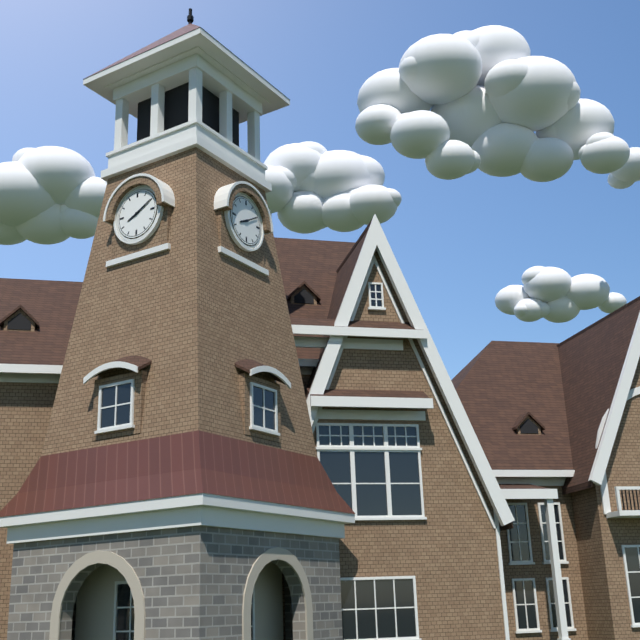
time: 8:10
